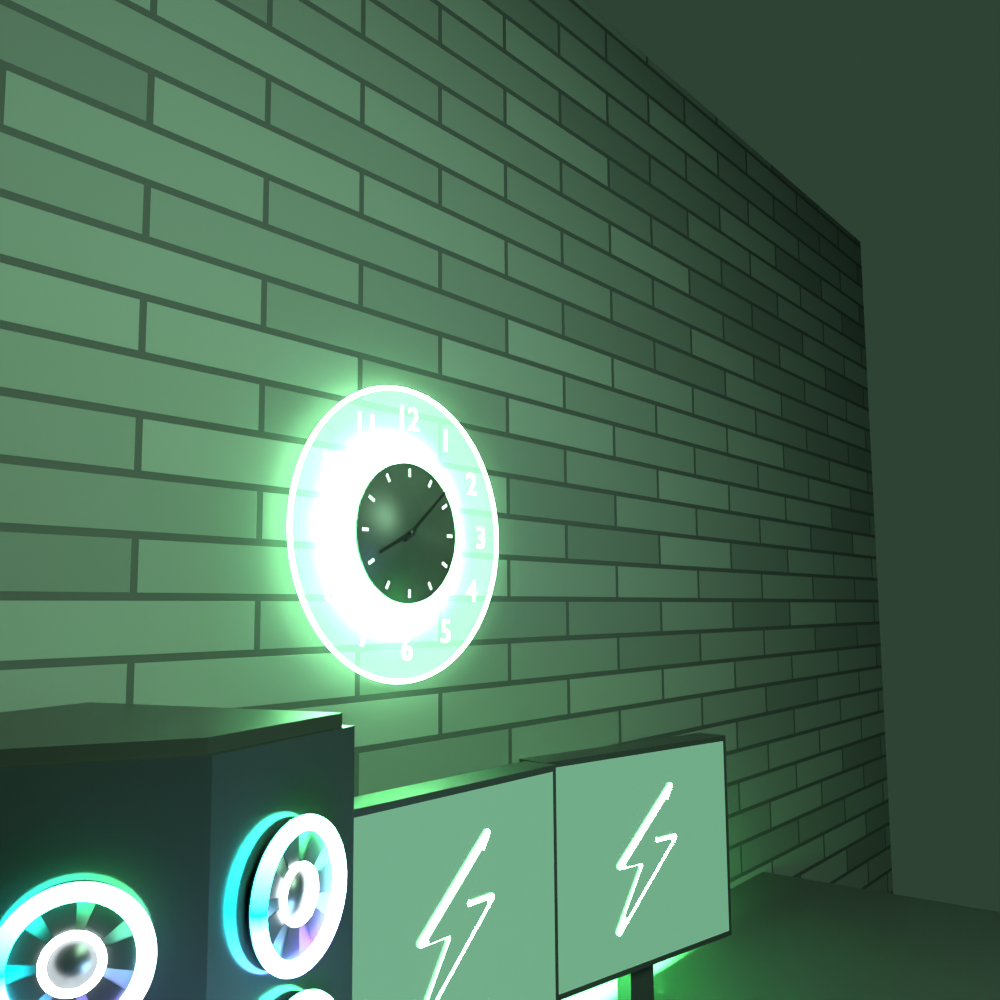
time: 8:08
